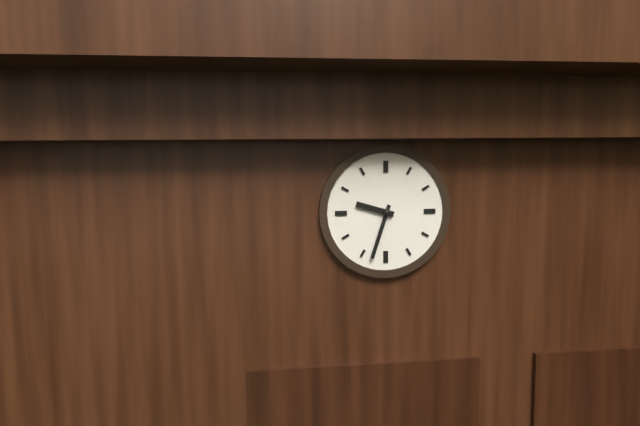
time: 9:33
